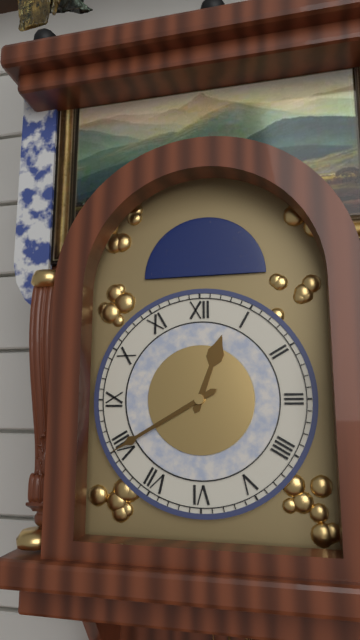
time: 12:40
